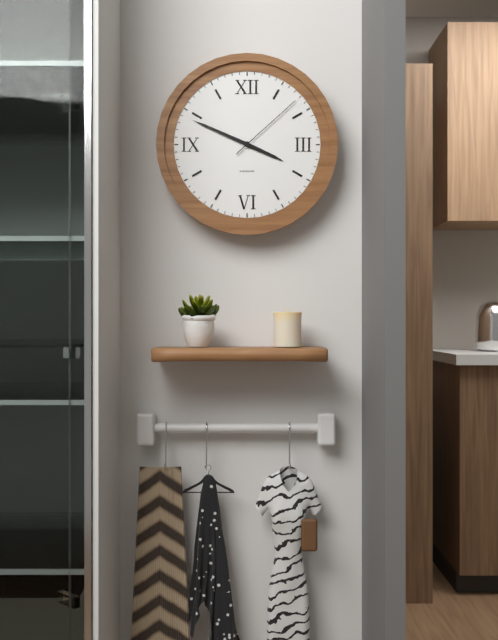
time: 3:49:08
